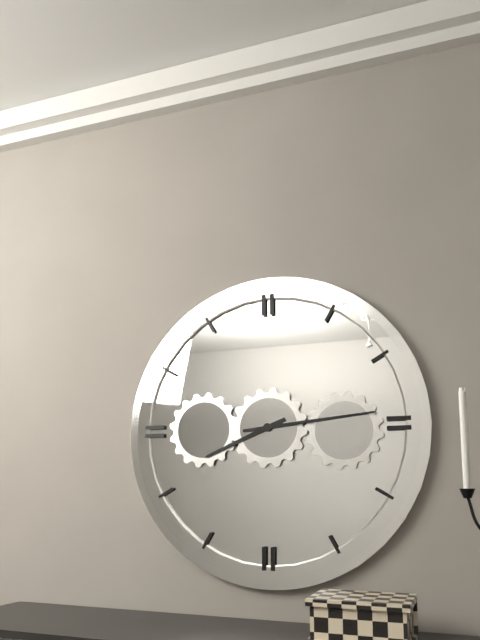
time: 8:14
